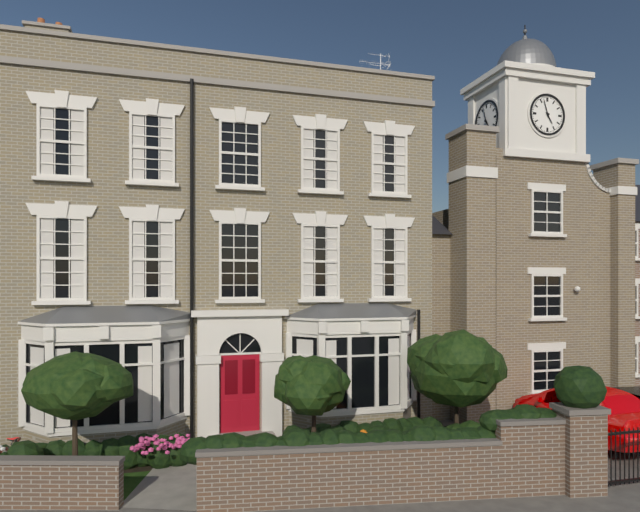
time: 4:57
